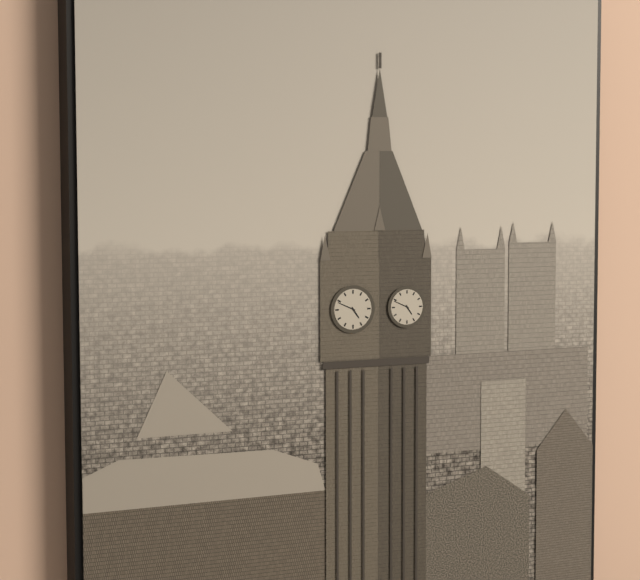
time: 4:49
